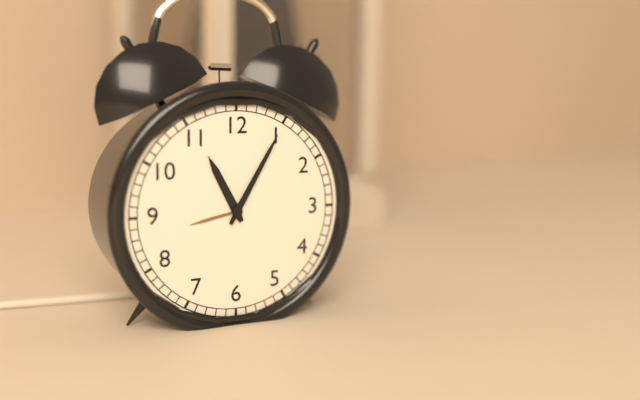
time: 11:05
